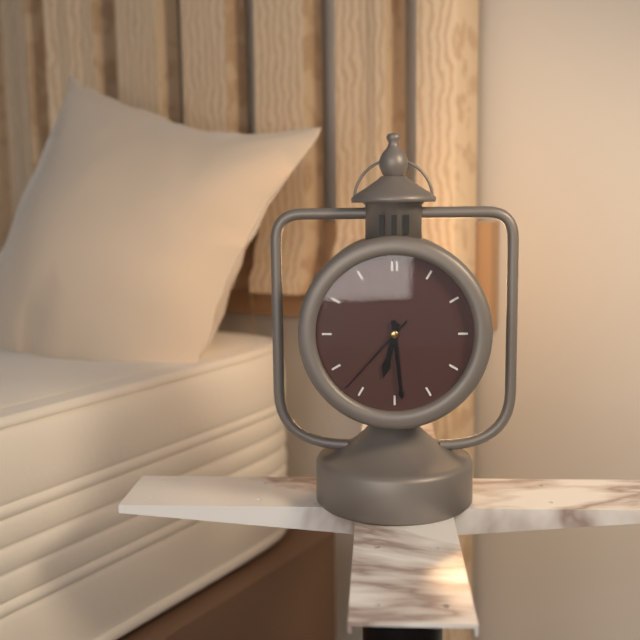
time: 6:29:37
